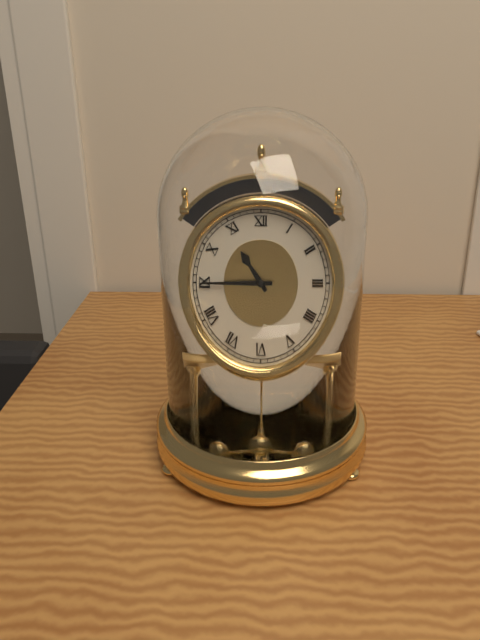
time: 10:45
